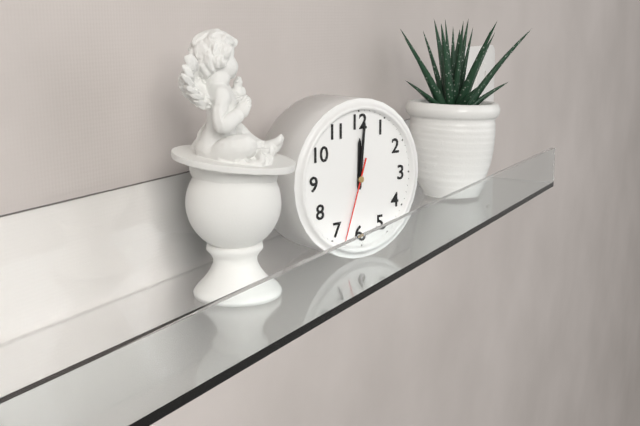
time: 12:01:33
